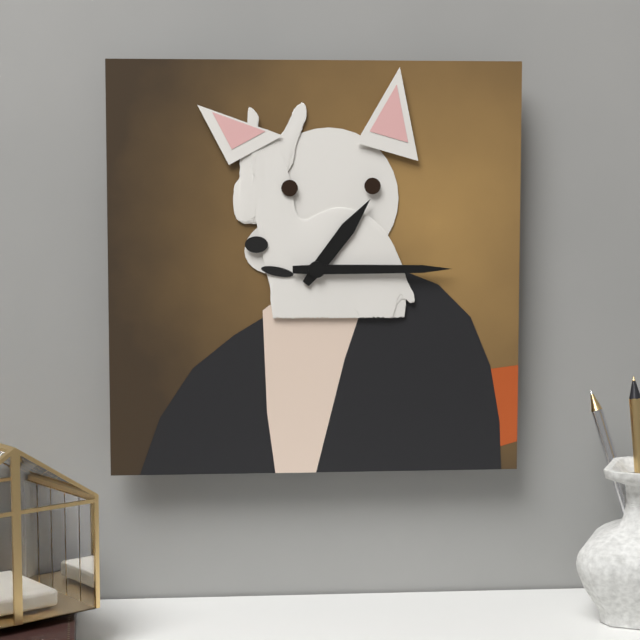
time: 1:15
